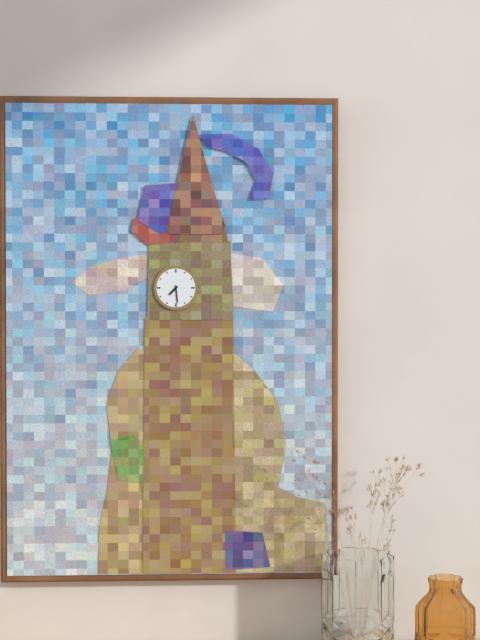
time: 7:29
